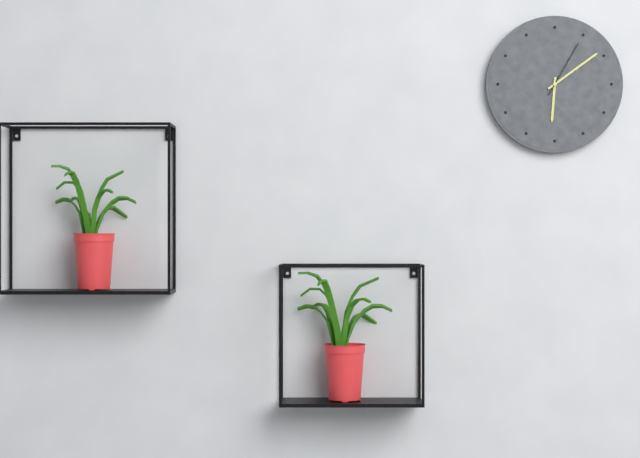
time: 6:09:05
